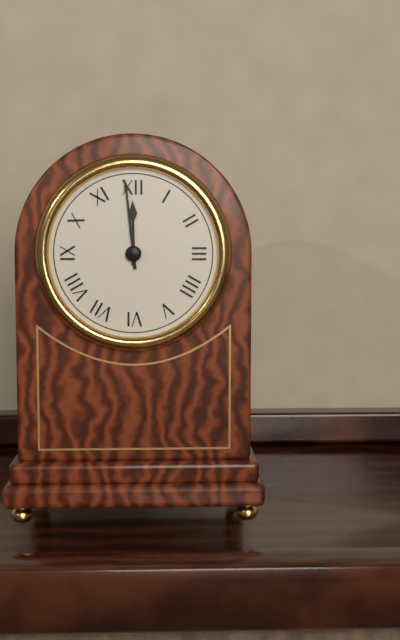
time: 11:59
